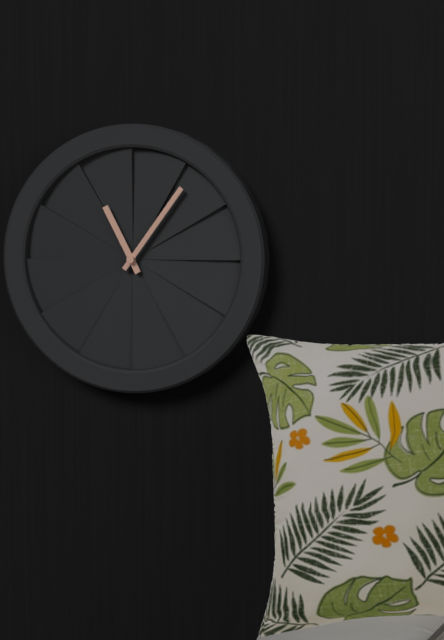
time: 11:06
